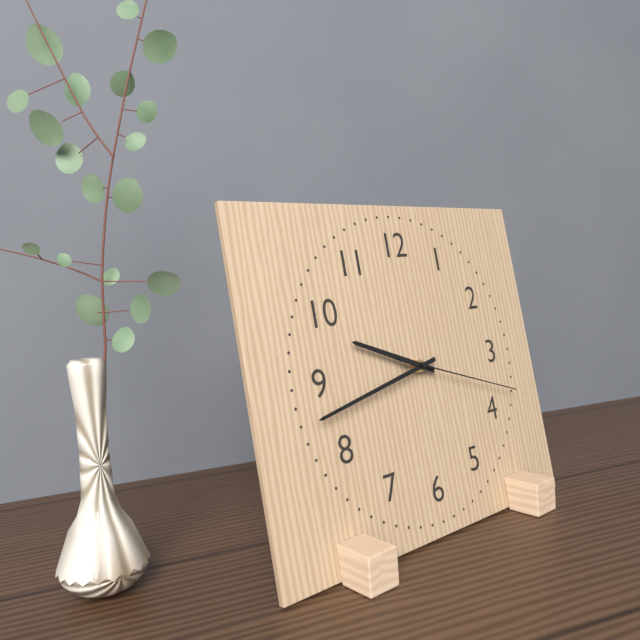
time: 9:43:18
